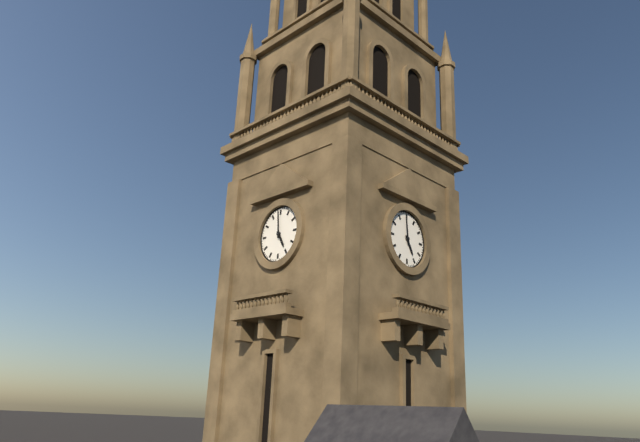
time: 4:59
